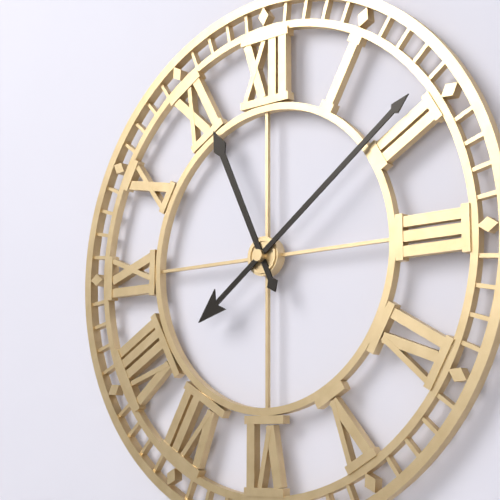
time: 11:09
